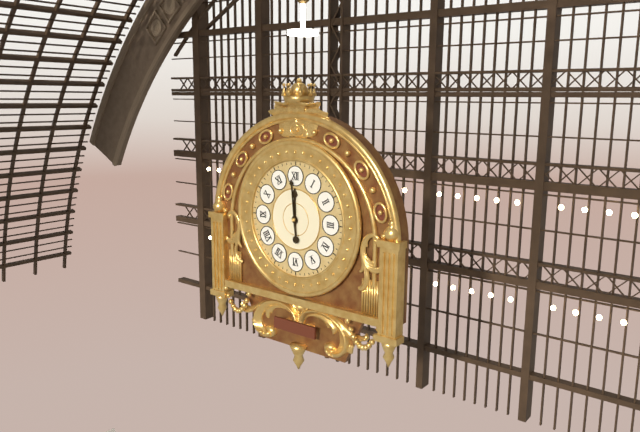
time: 11:59
